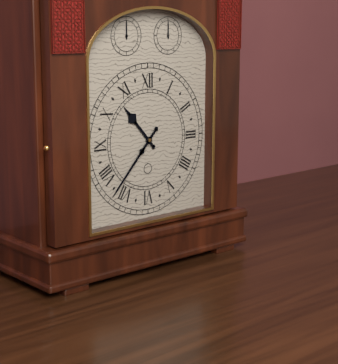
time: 10:37
